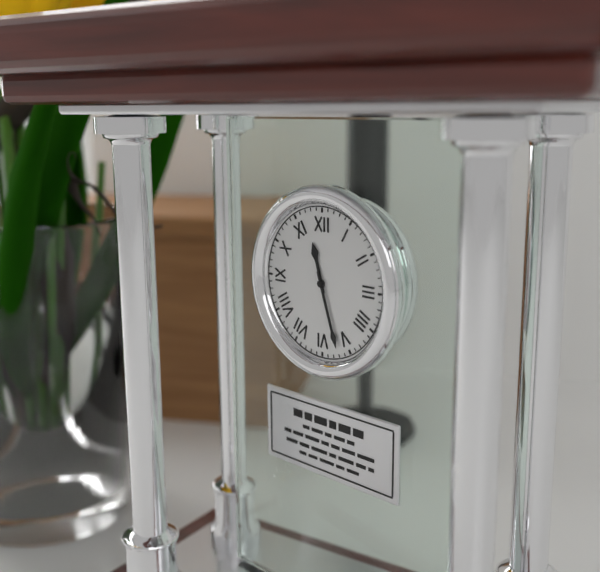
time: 11:27
